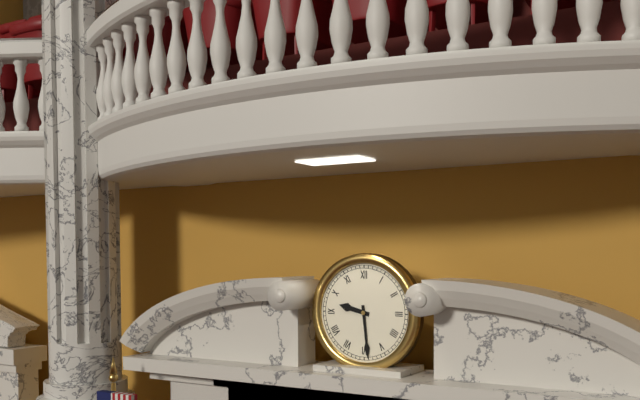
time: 9:29
